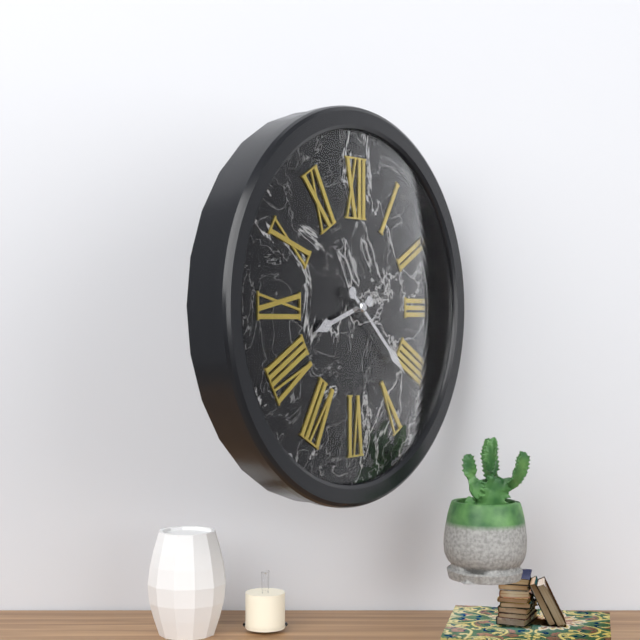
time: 8:22
